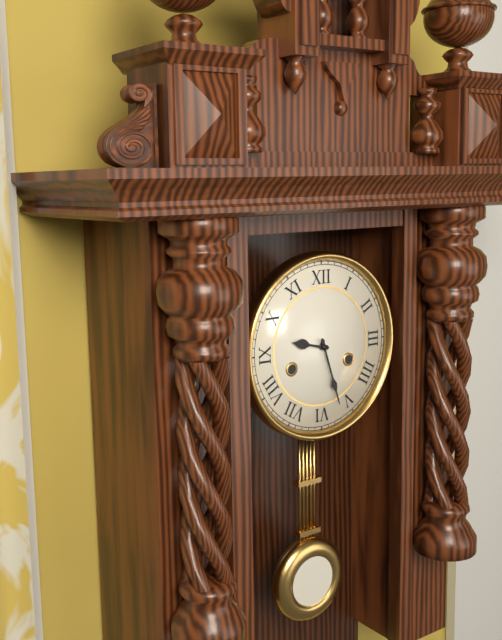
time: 9:27
